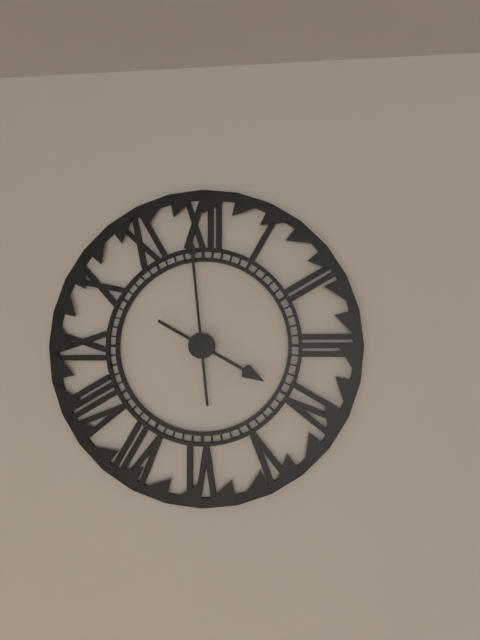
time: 3:59
